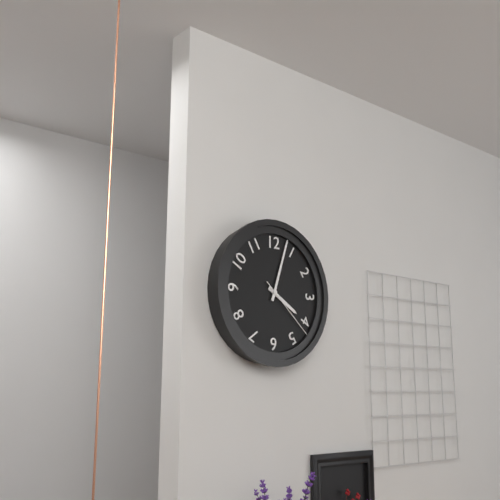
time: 4:03:22
